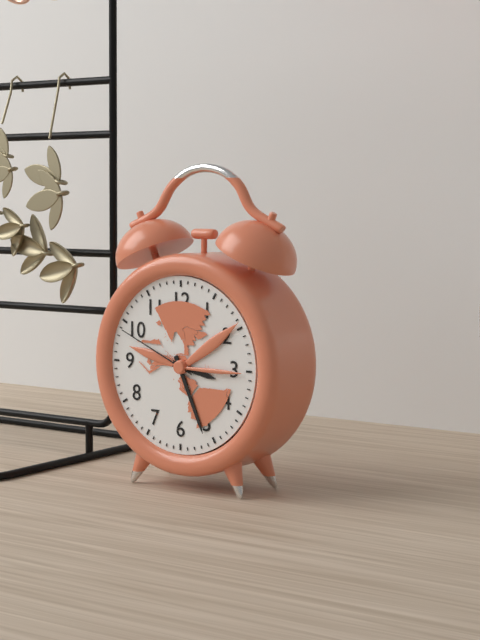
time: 3:26:49
